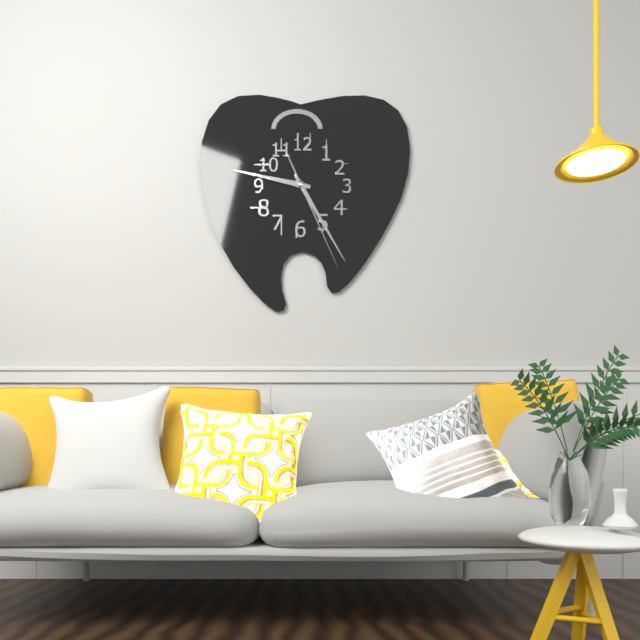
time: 9:25:26
